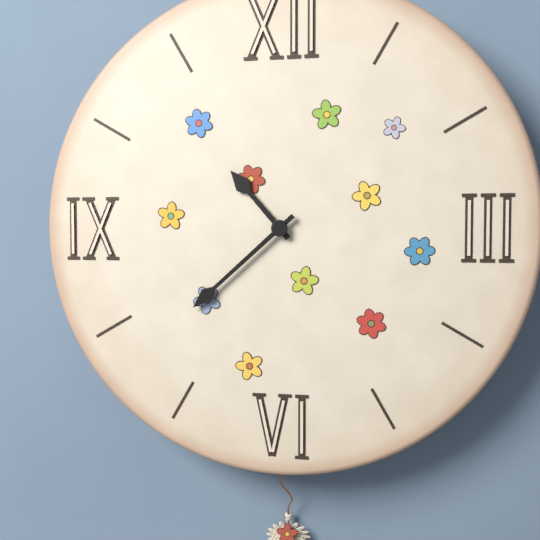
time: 10:38
